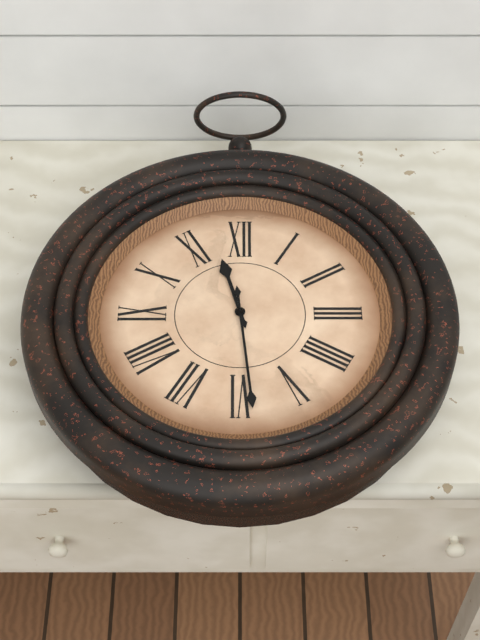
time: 11:29
